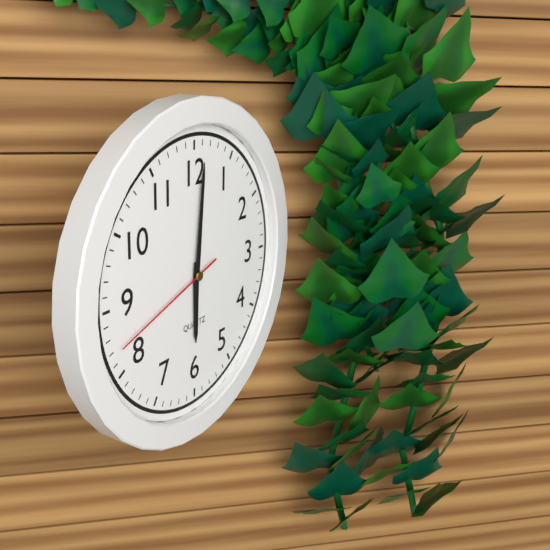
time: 6:01:42
